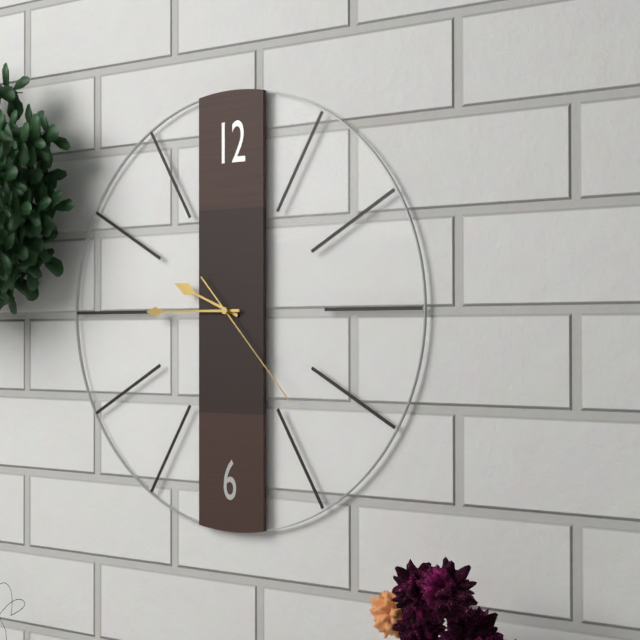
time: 9:45:23
